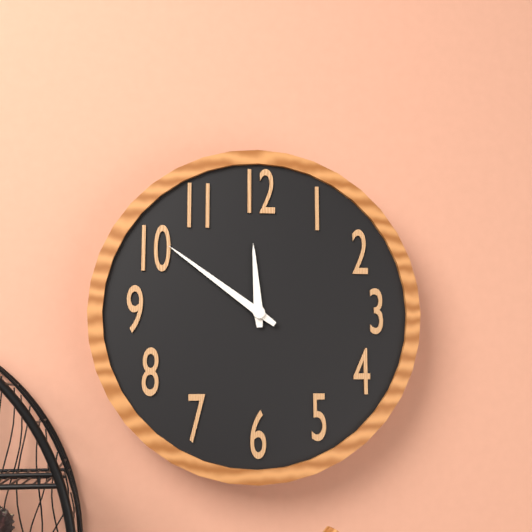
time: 11:51
